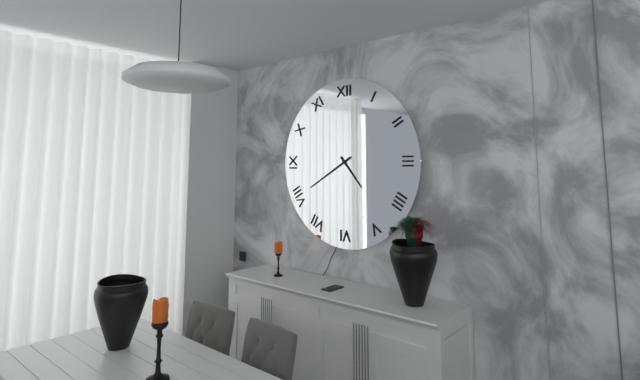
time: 4:40
